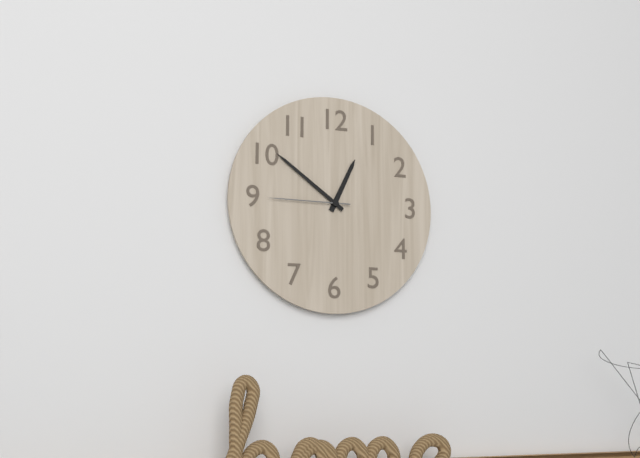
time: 12:51:45
